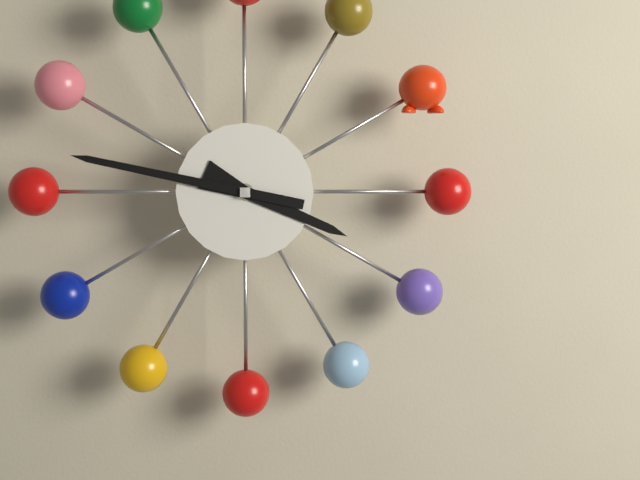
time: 3:47
